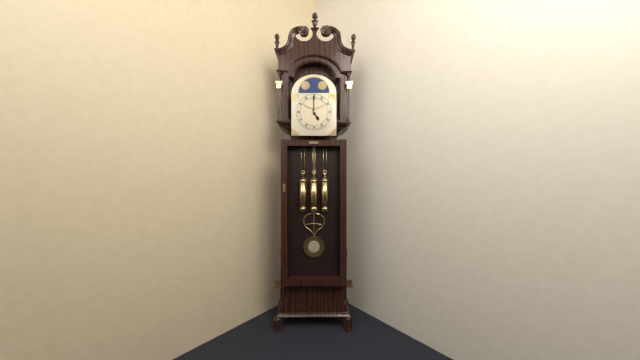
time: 5:00
